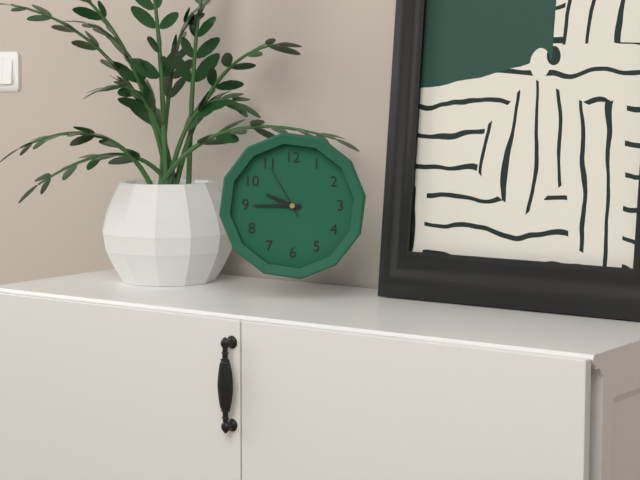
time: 9:45:55
